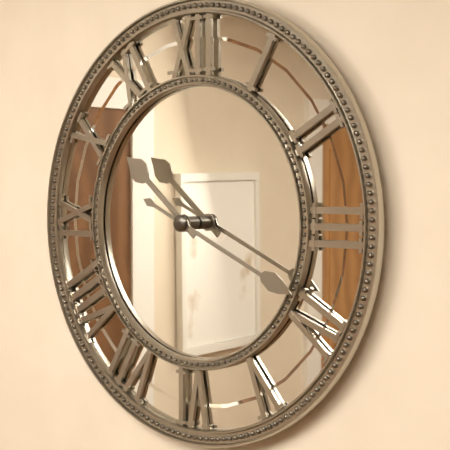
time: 10:19
